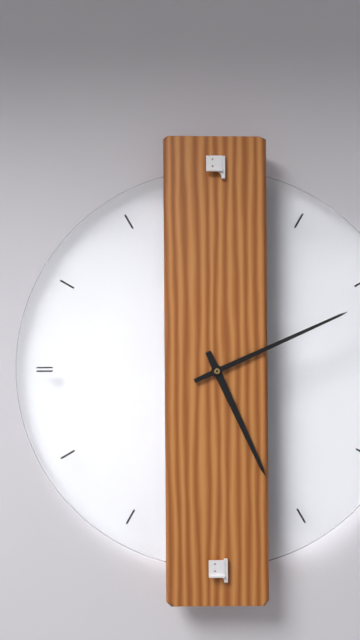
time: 5:11
